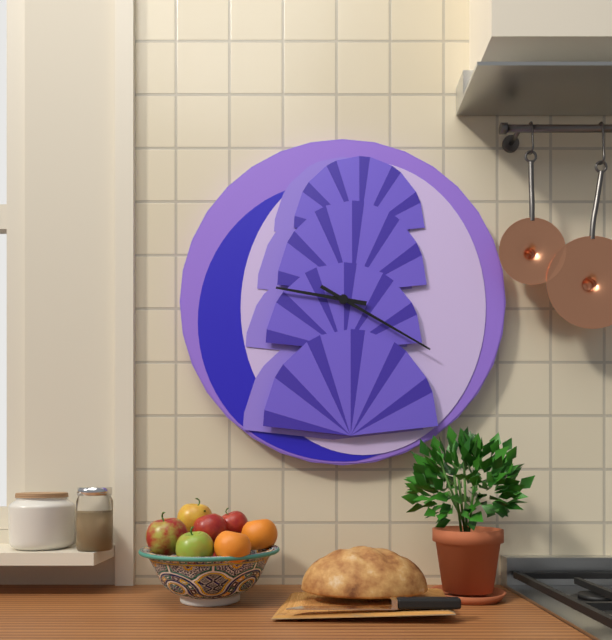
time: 9:20
